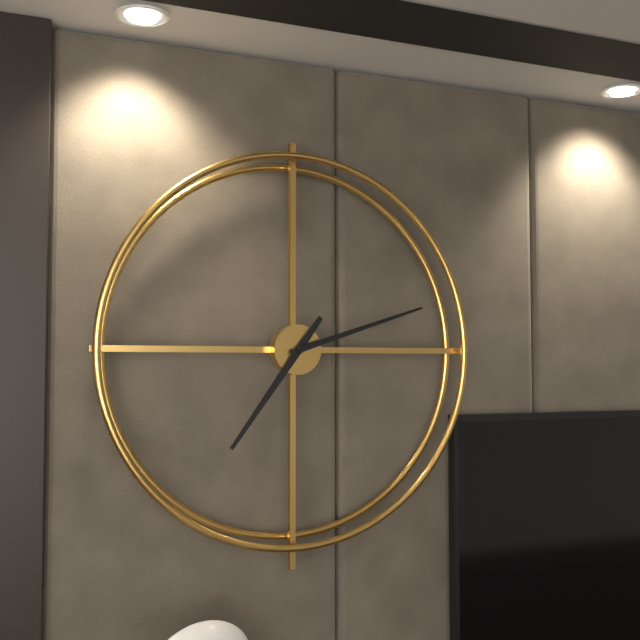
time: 7:12
